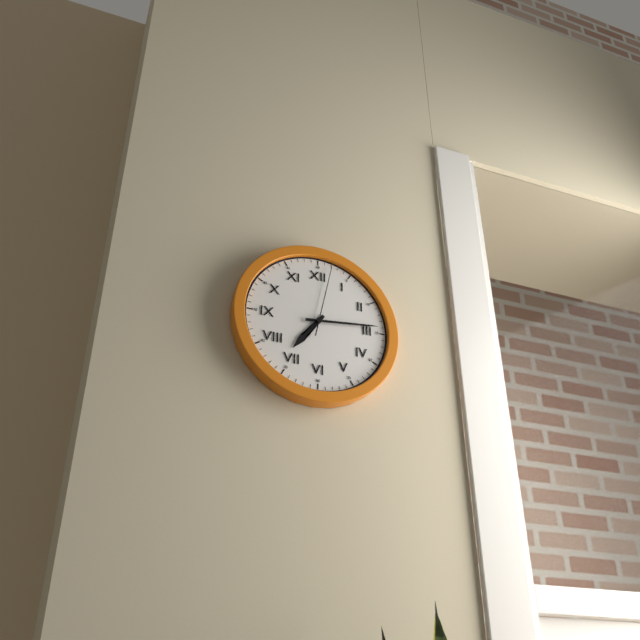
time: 7:14:02
